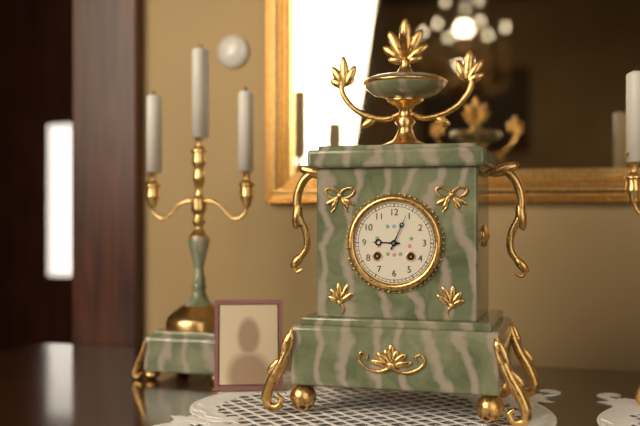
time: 9:04
